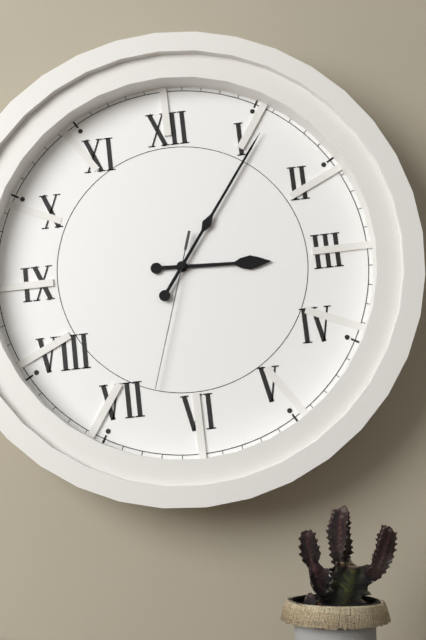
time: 3:06:33
